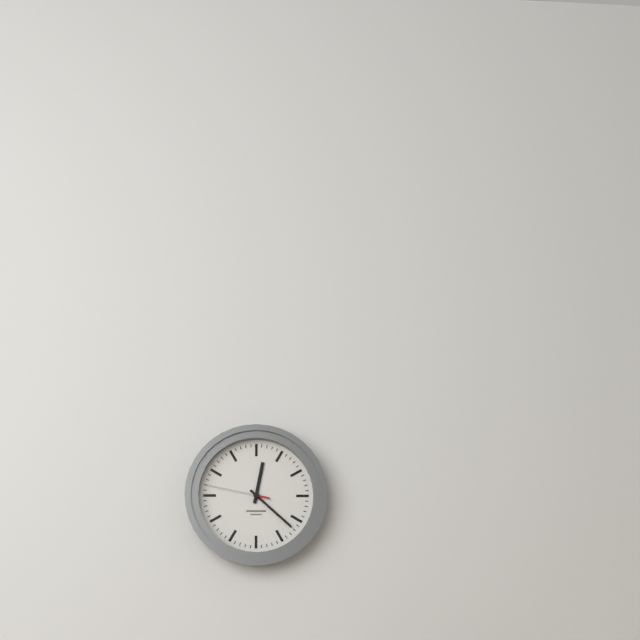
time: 12:22:47
